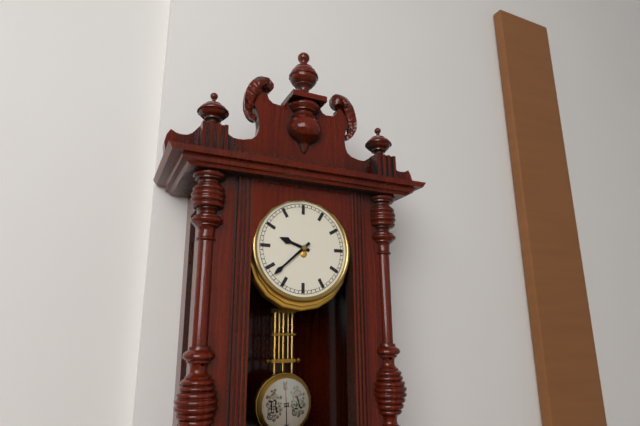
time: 9:38
